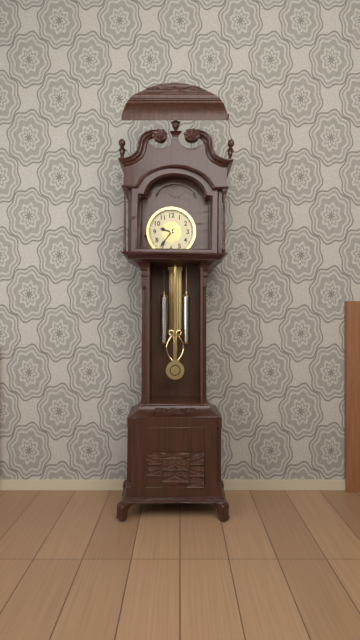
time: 9:36
